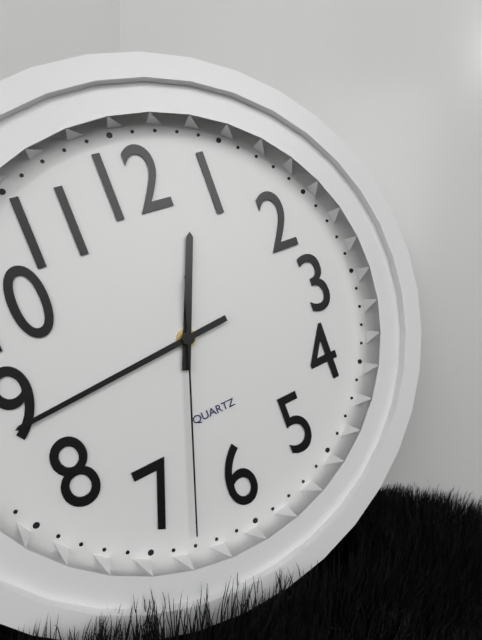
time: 12:44:33
